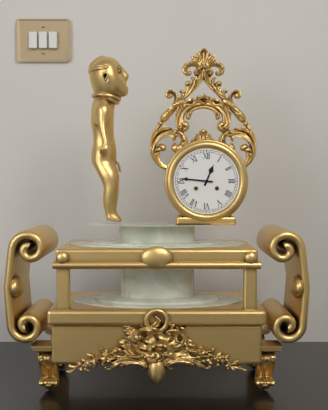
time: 12:46
